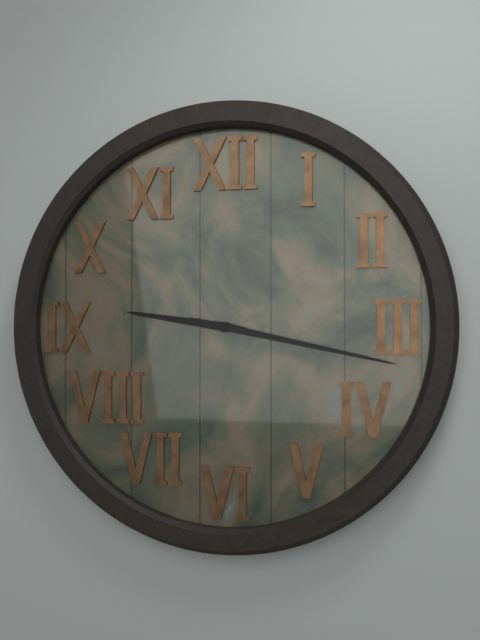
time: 9:17
